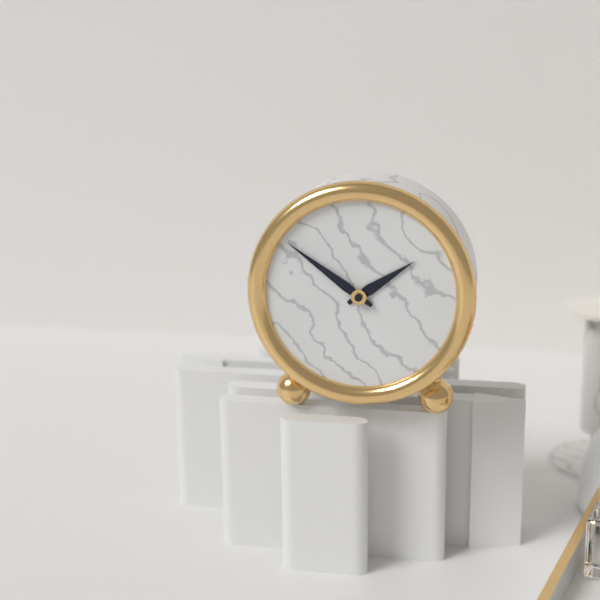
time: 1:51
